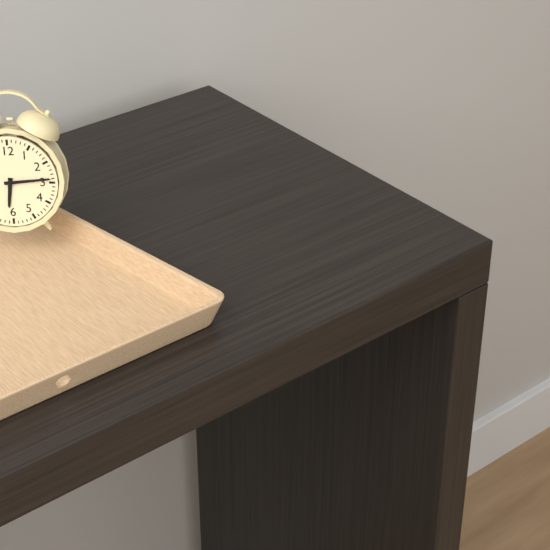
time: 6:14
